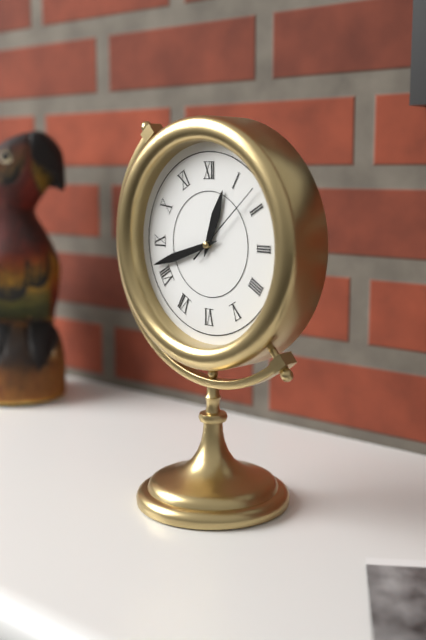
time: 12:42:08
